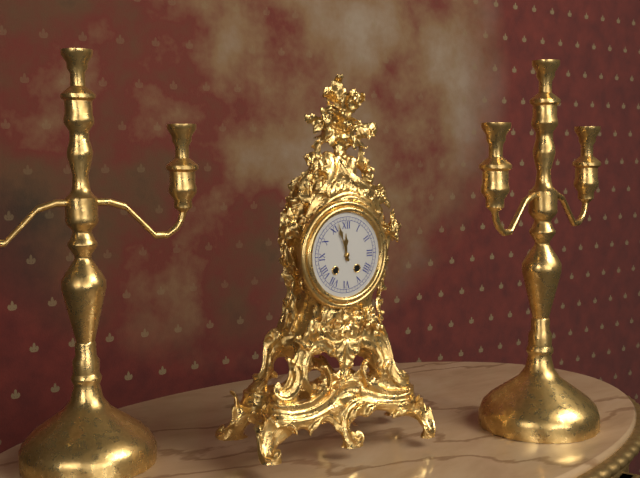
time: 11:57
